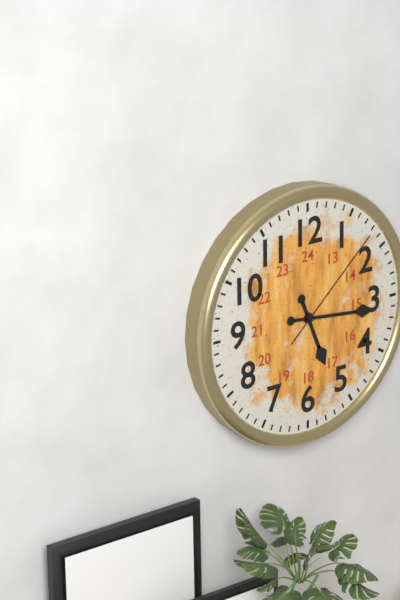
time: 5:16:08
